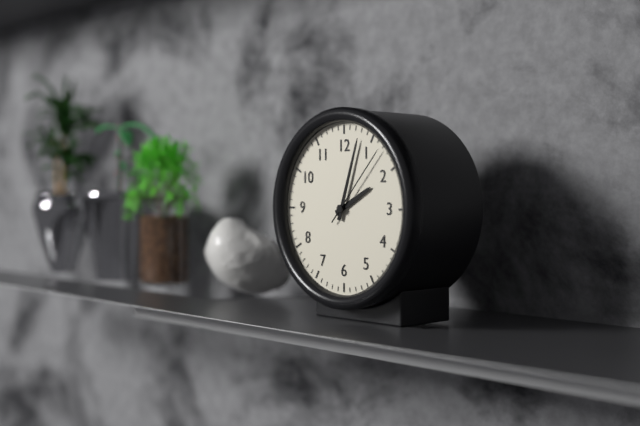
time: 2:03:07
